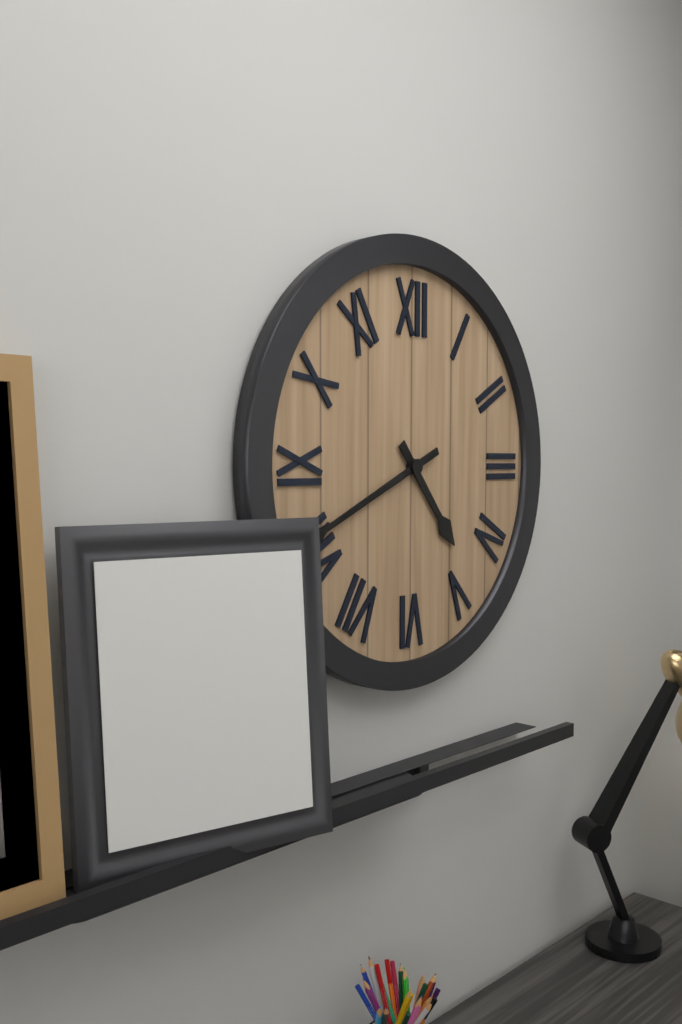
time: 4:41
